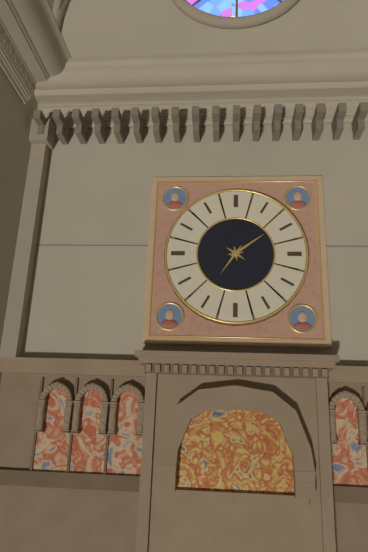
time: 7:09
